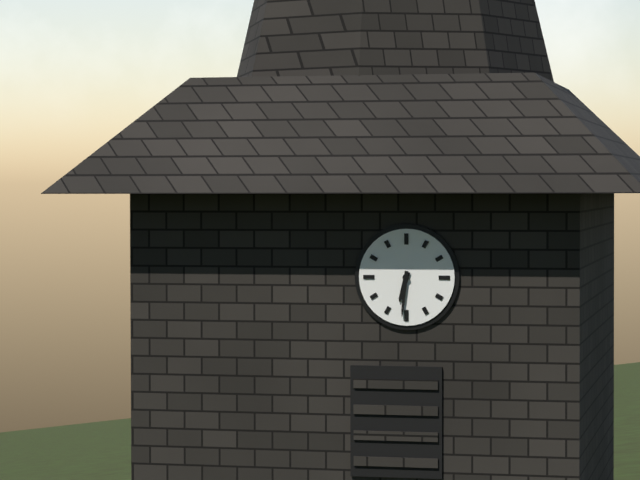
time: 6:31
